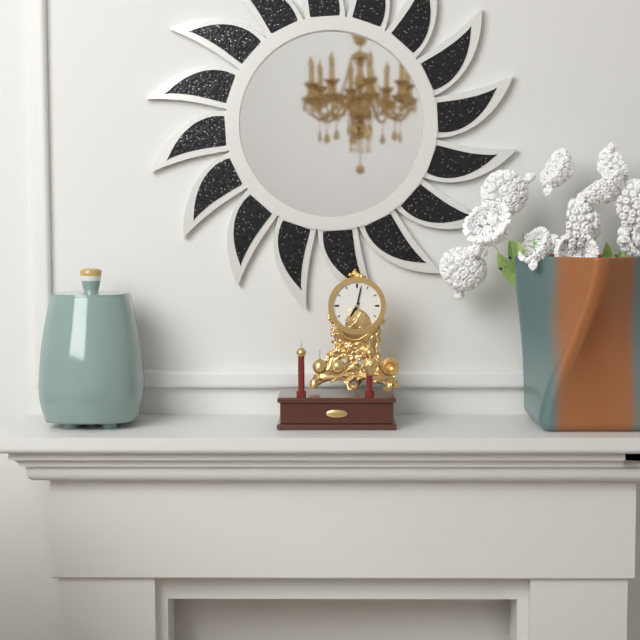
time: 7:02
